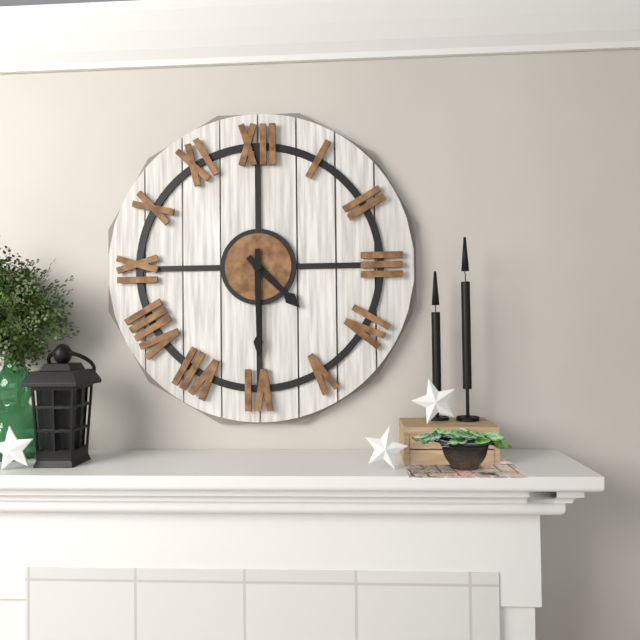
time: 4:30
